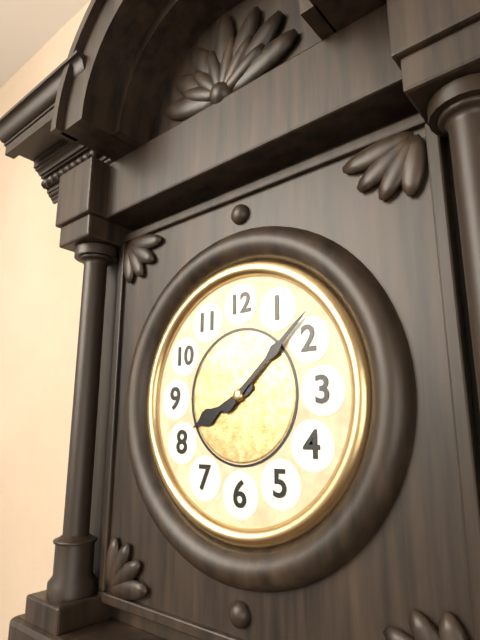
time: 8:08
